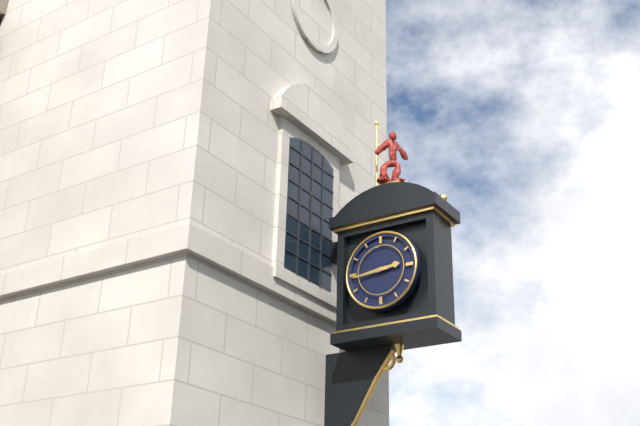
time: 2:44
